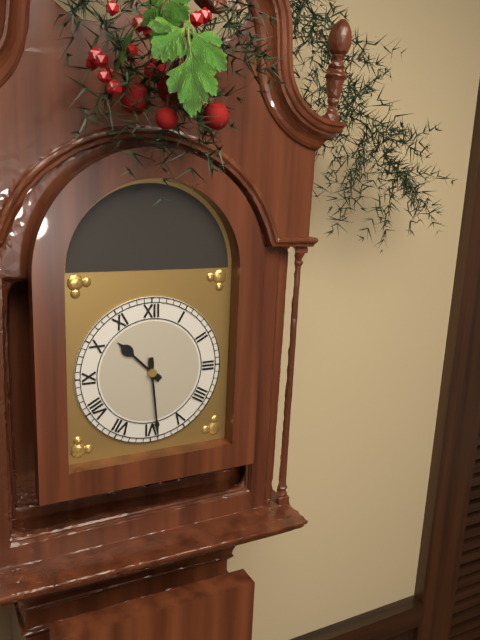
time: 10:29
